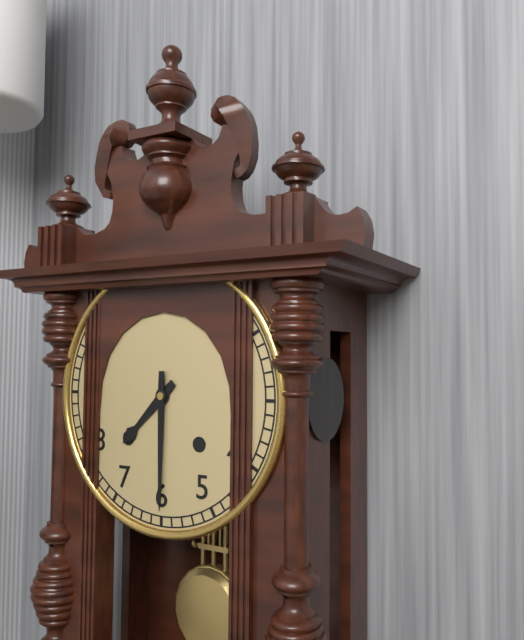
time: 7:30
